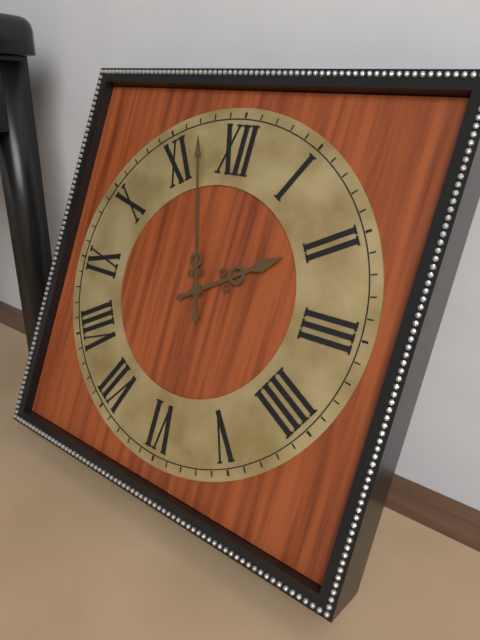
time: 1:57
